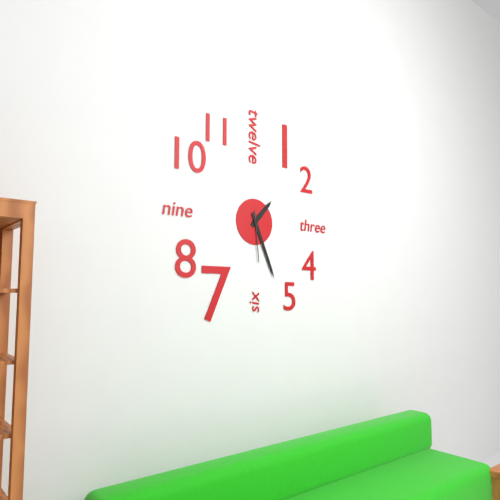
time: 1:26:29
